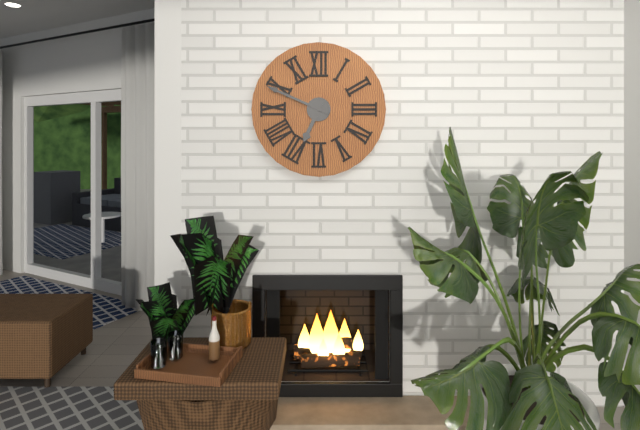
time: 6:49
